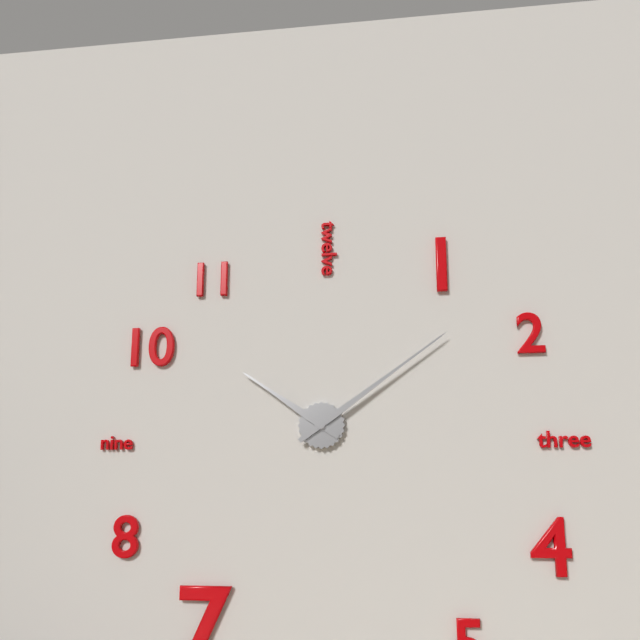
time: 10:09
